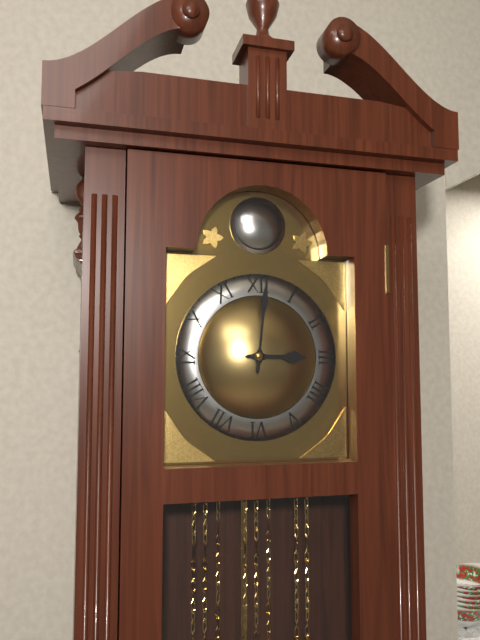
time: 3:01
